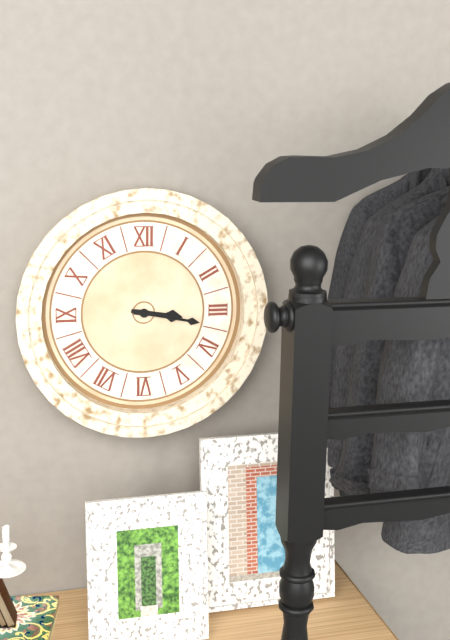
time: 3:17
